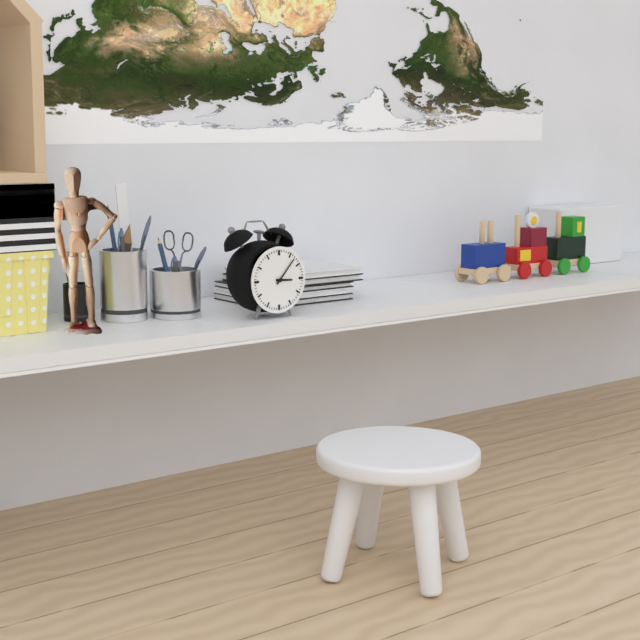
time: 3:07
